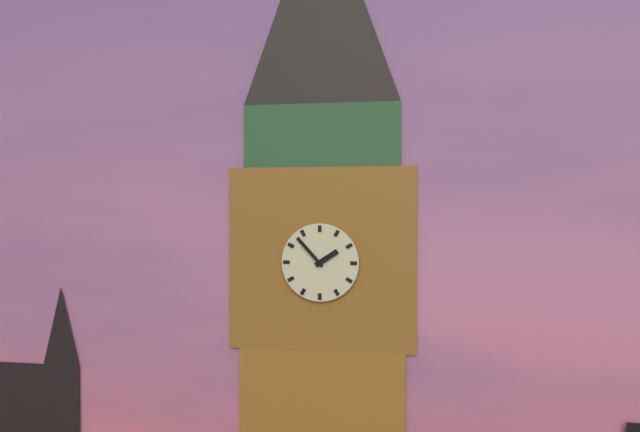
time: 1:53
